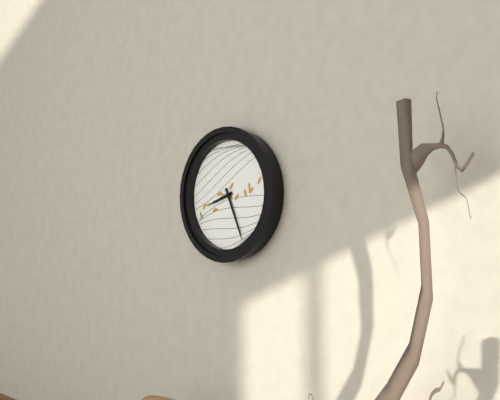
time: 8:26
